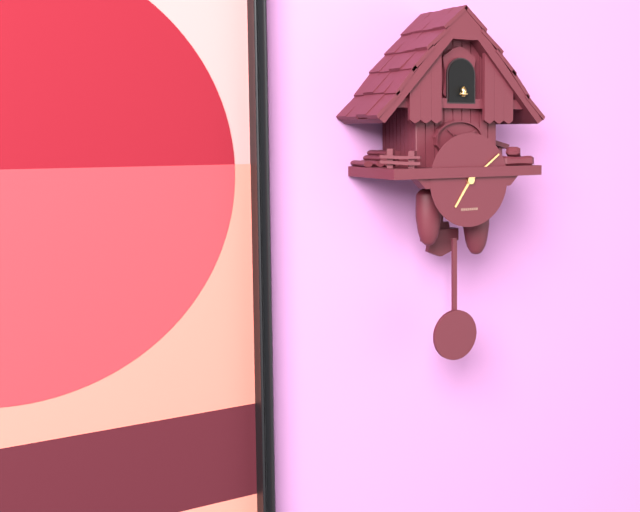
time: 7:09
